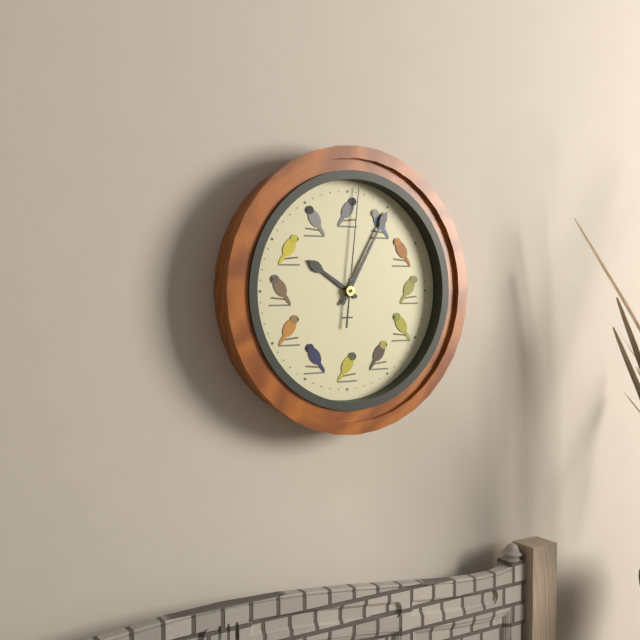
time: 10:05:01
